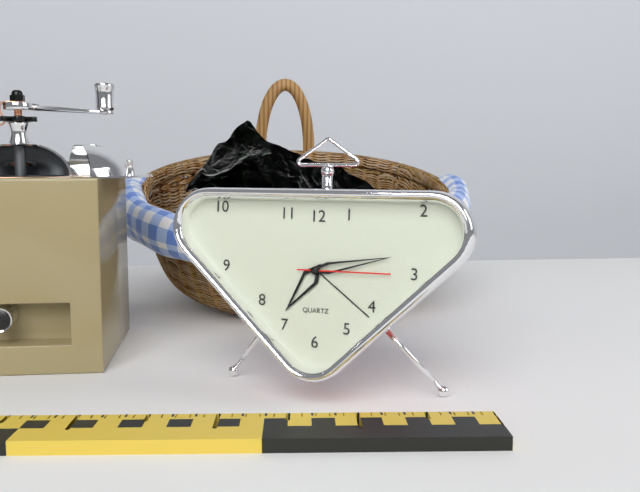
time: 7:13:15
